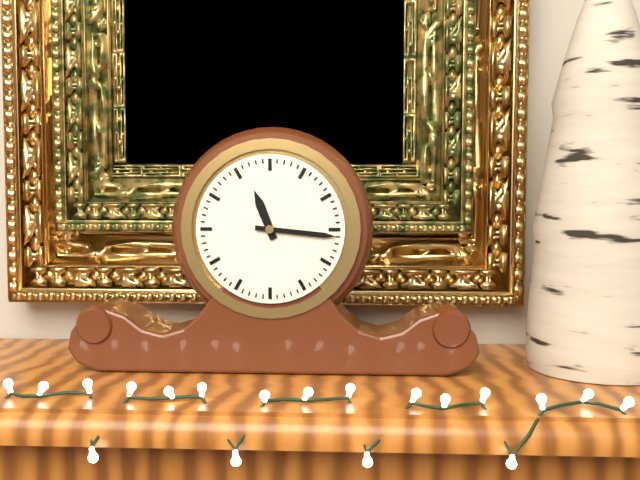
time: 11:16
